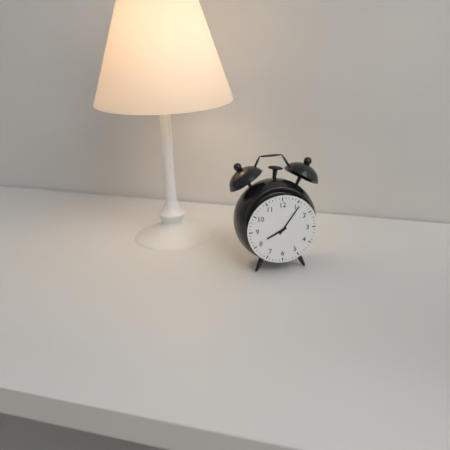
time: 8:06
